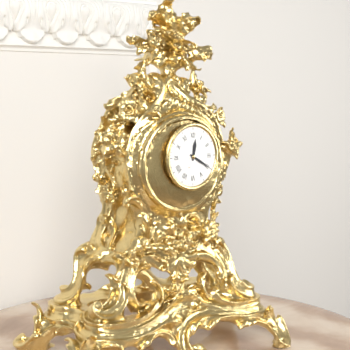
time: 12:20
